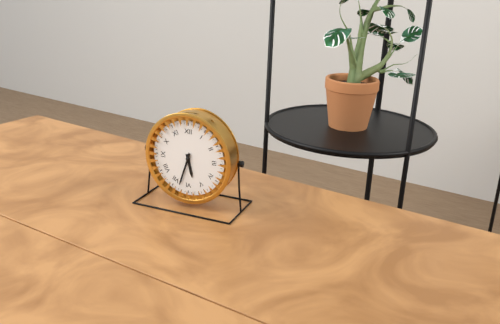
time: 5:33
